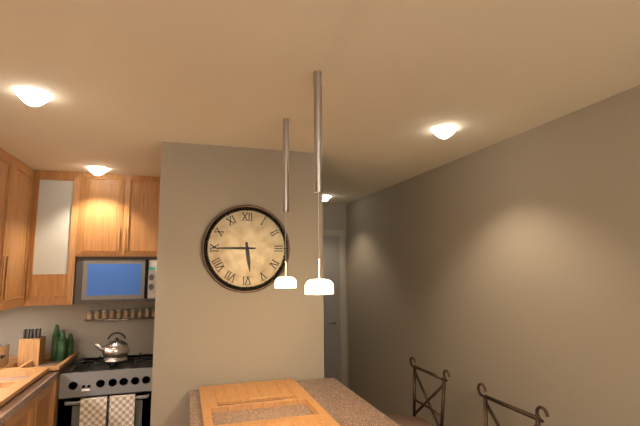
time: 5:45
